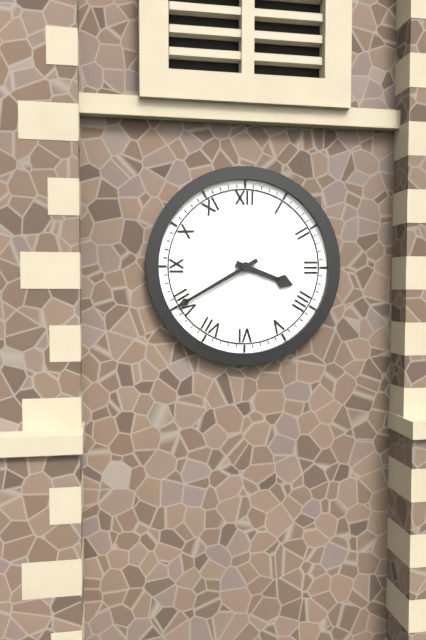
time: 3:40
